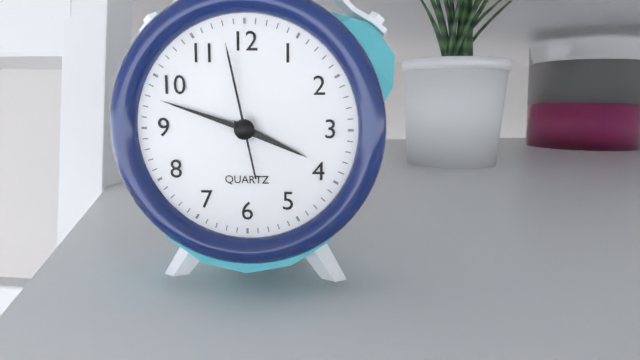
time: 3:48:58
